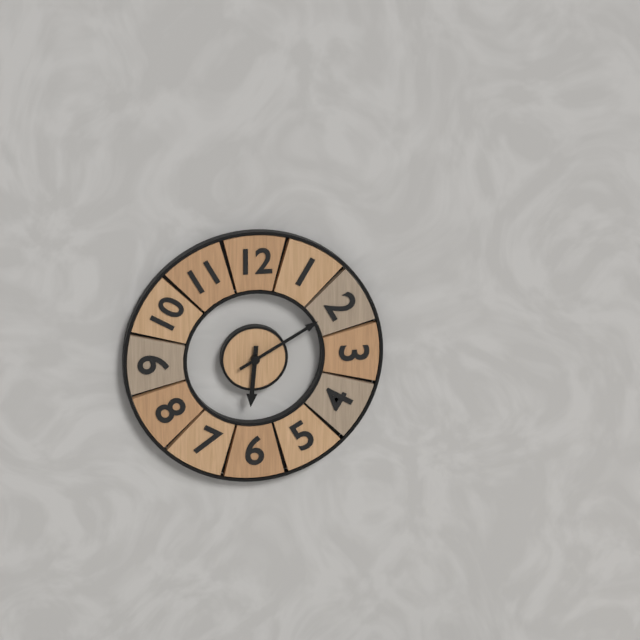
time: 6:10
